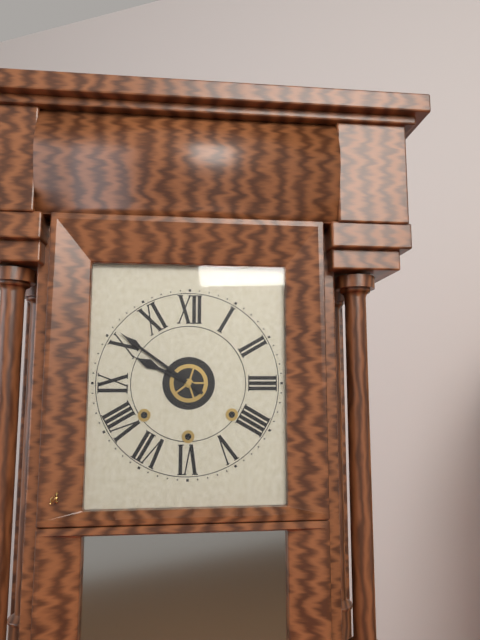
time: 9:51
